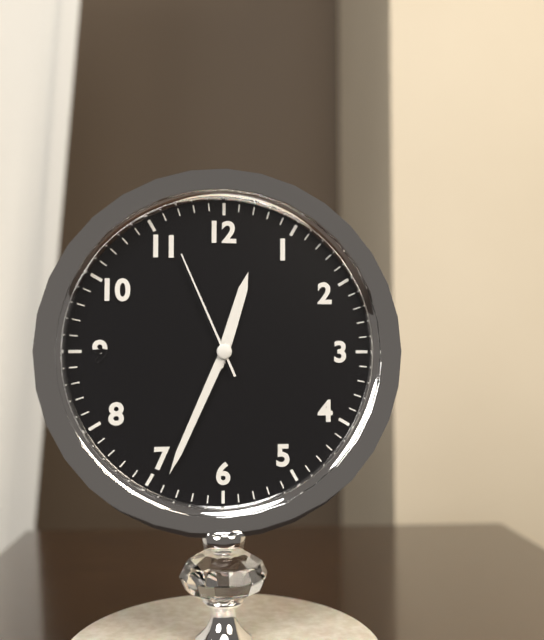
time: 12:34:56
